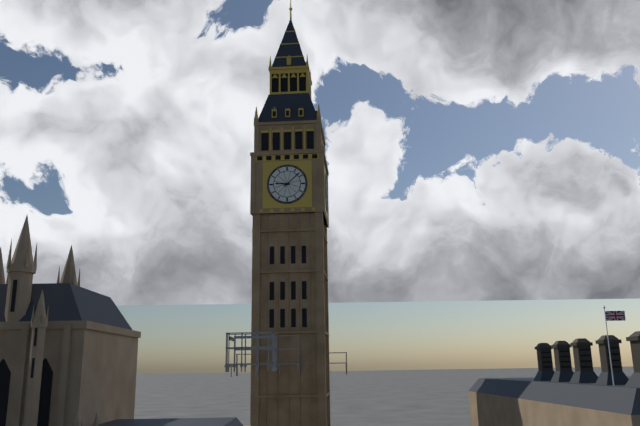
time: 9:08
